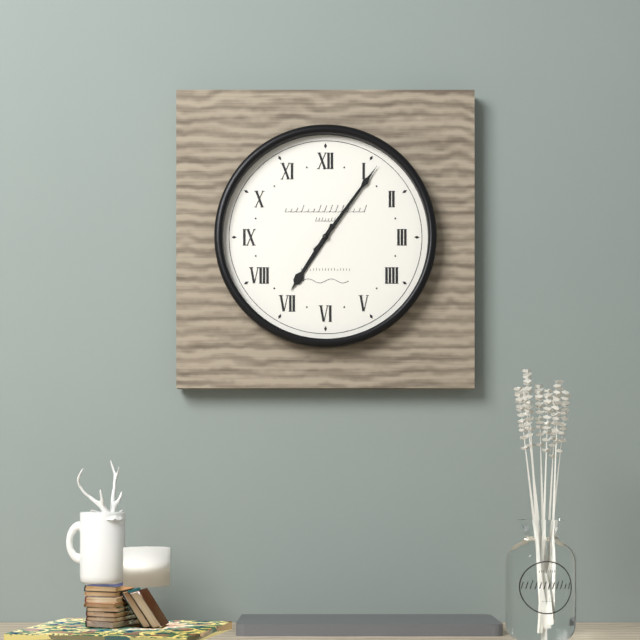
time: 7:06
